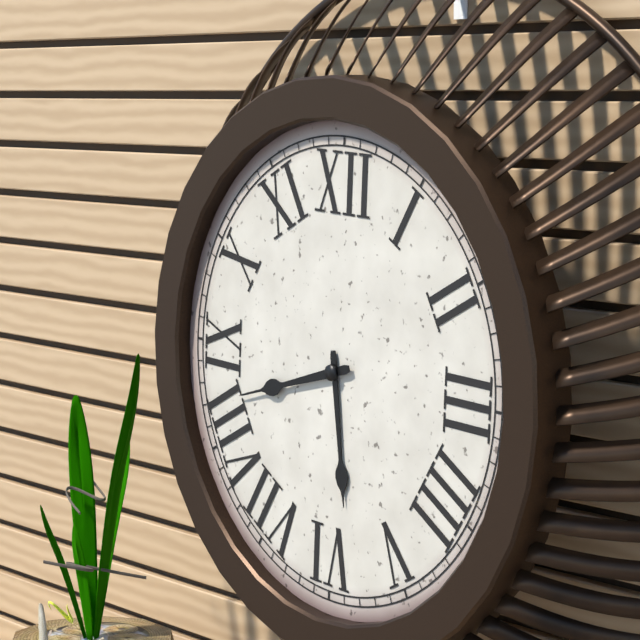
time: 5:42
